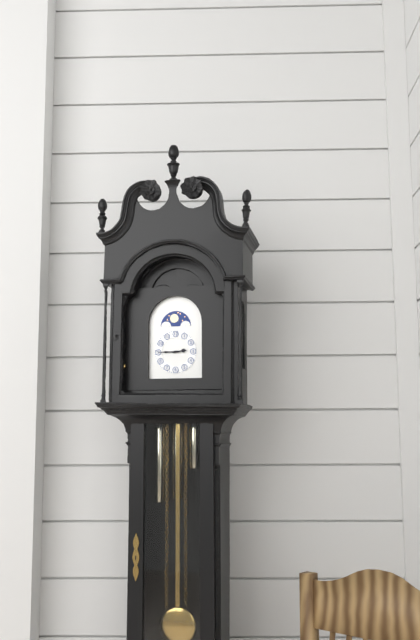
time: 2:45
